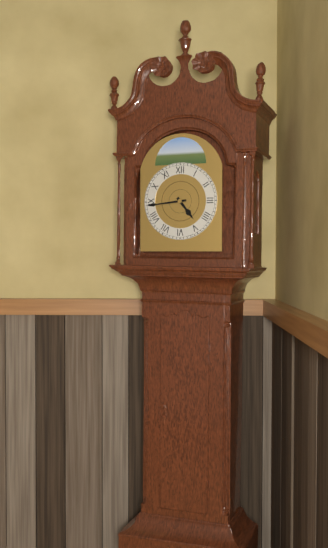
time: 4:44
